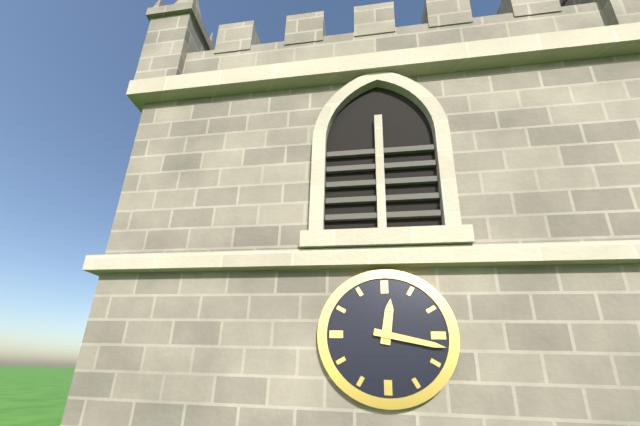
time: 12:17
